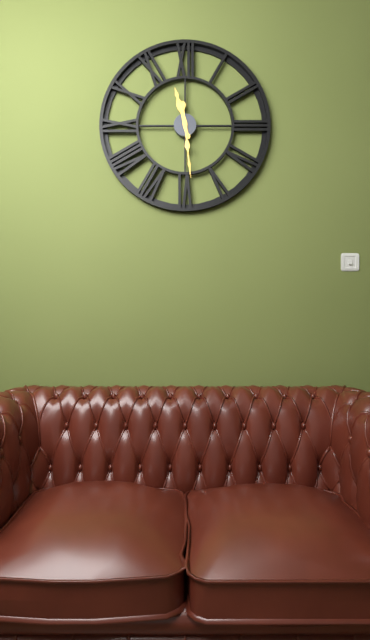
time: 11:29
